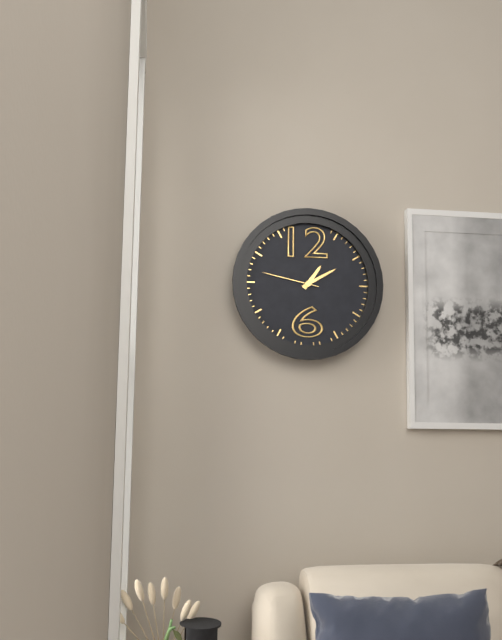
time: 1:10:47
